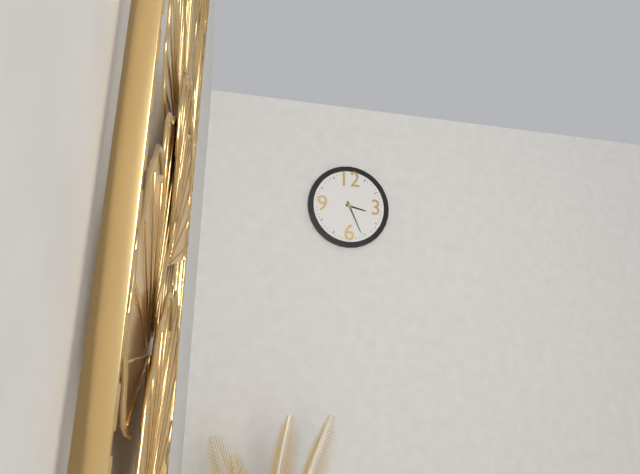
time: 3:26
